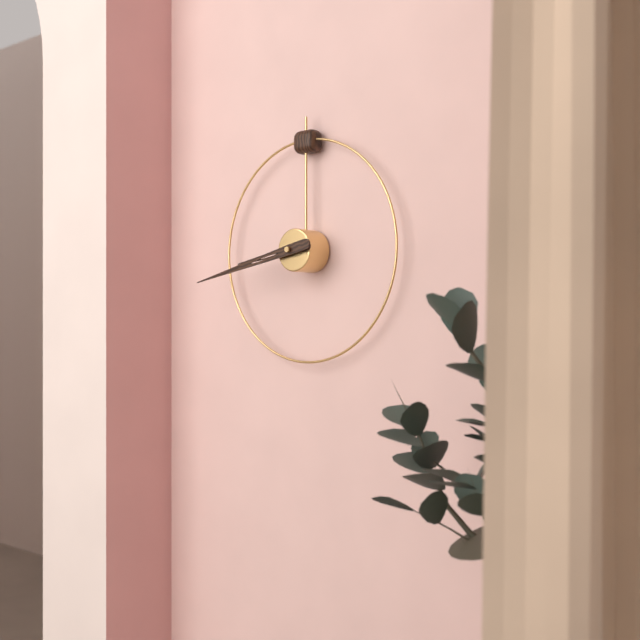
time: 8:43
